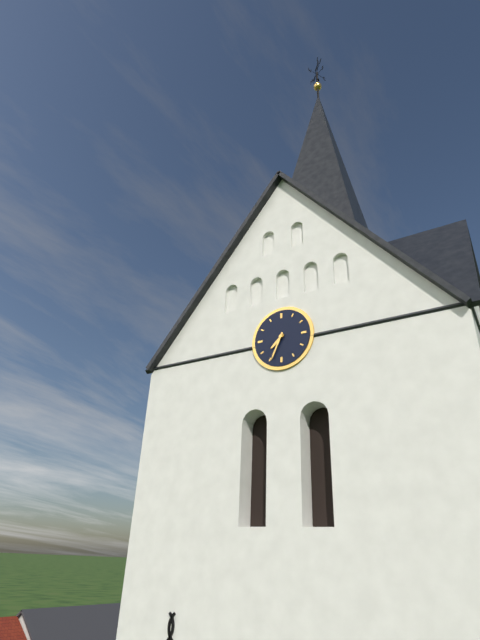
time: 7:34
